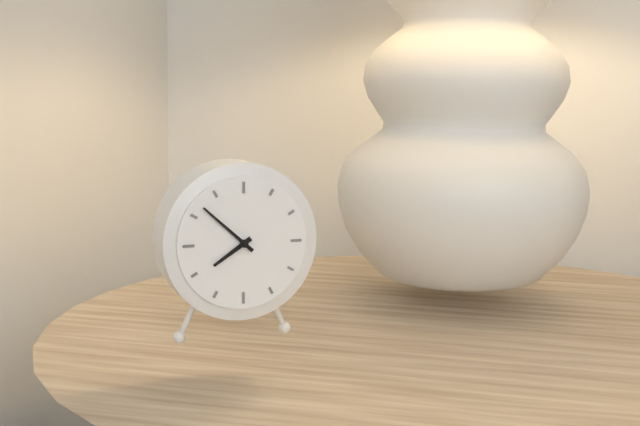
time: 7:52
